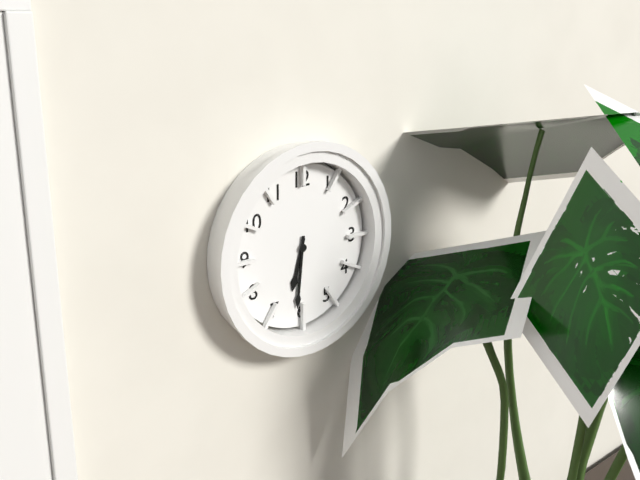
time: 6:31
